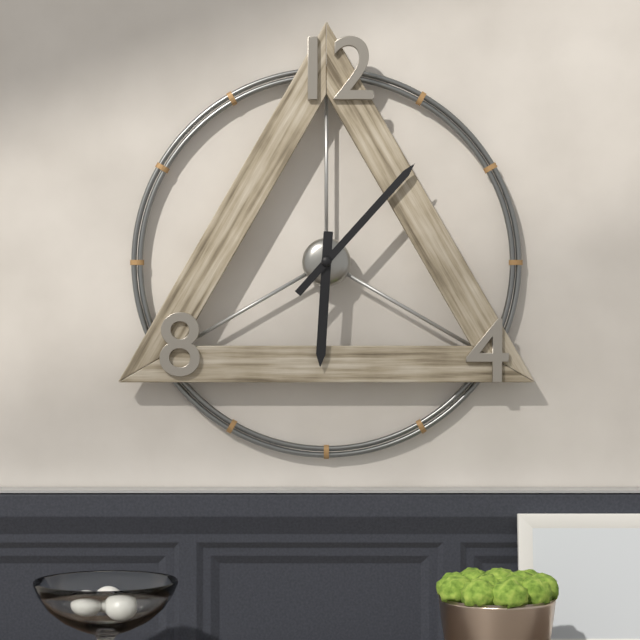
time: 6:07
